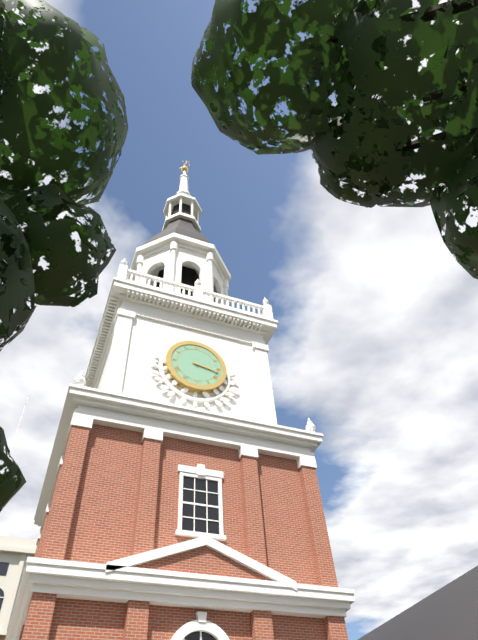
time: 3:17
